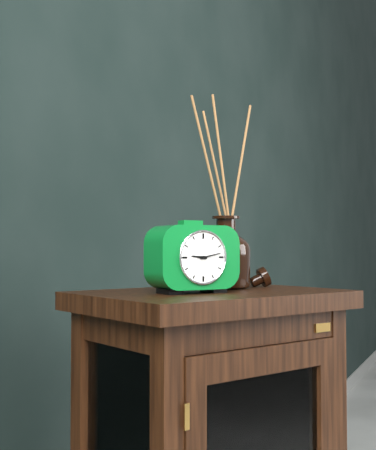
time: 9:13
